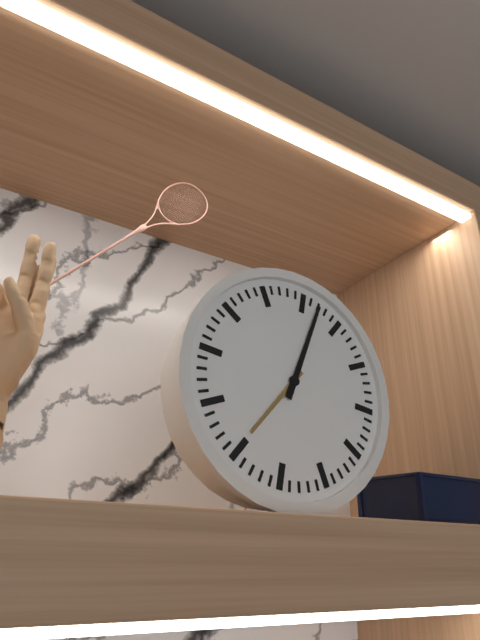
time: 7:02
